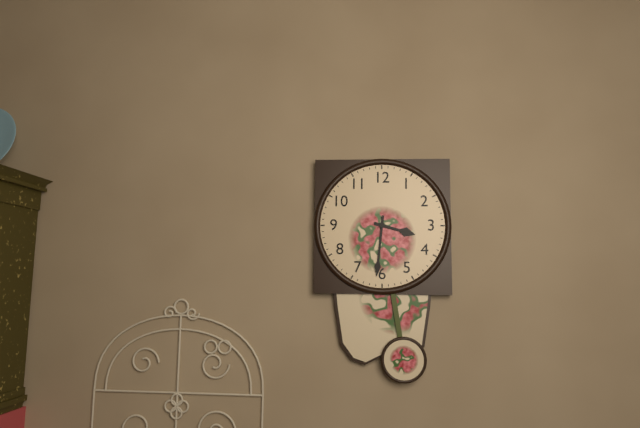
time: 3:31
